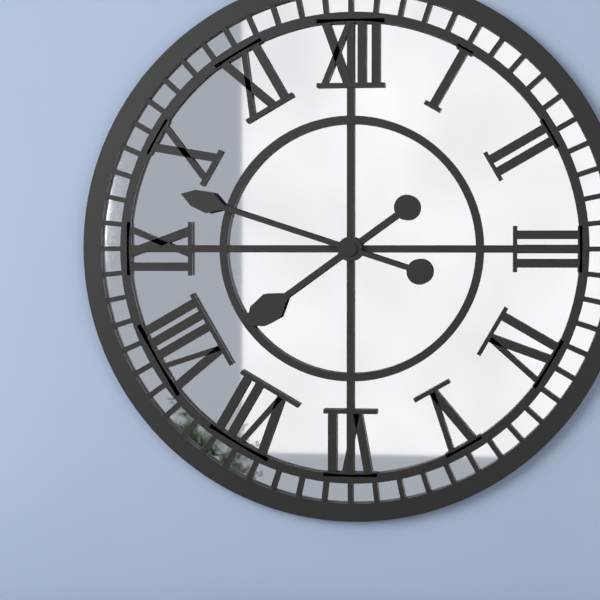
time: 7:48
